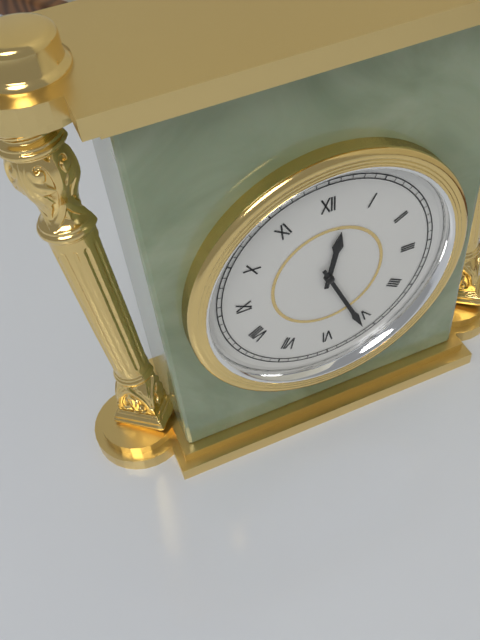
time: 12:26
